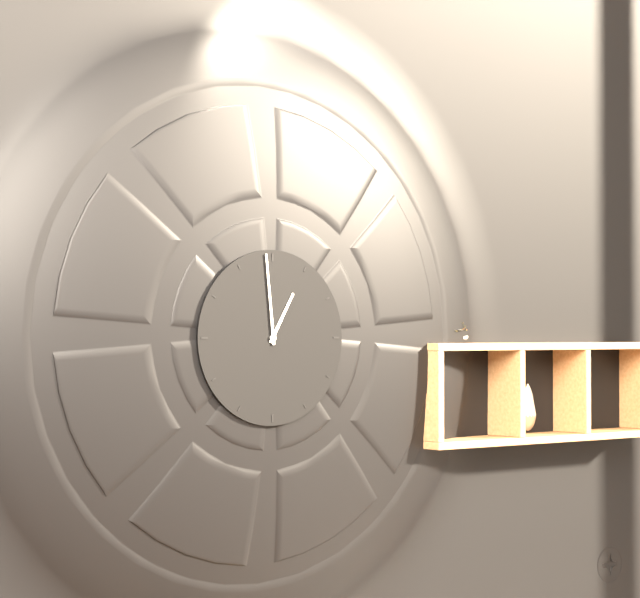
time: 12:59
